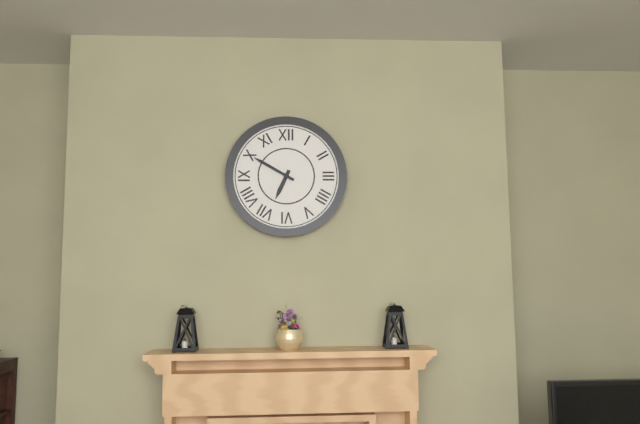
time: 6:50
